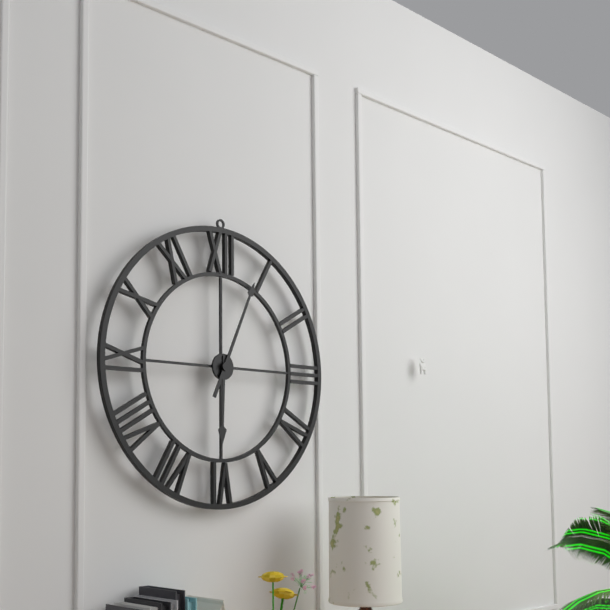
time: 6:04
